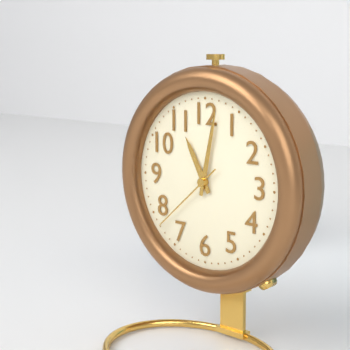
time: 11:02:38
